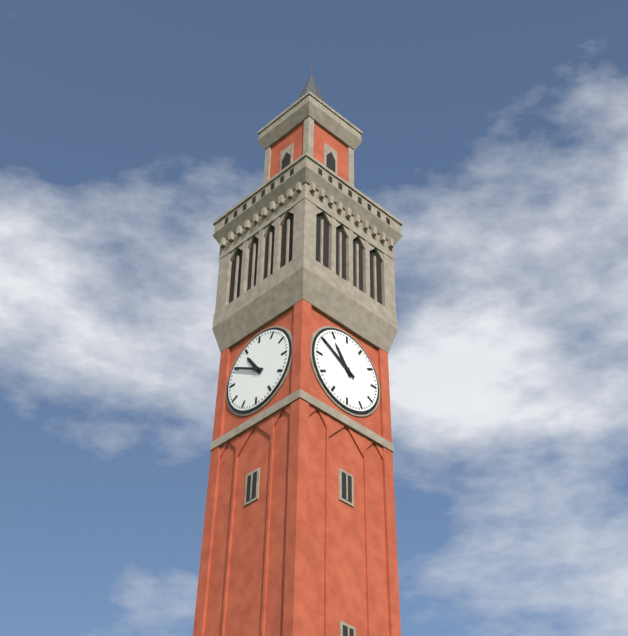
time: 10:50
